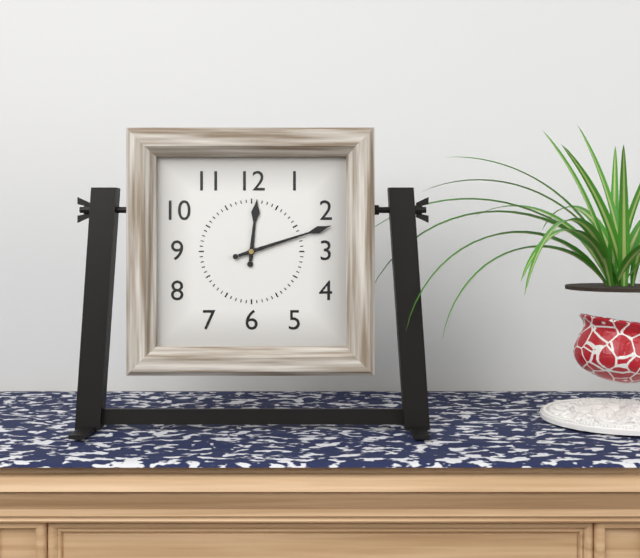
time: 12:12
